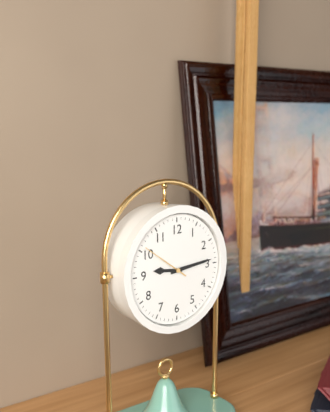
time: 9:14
